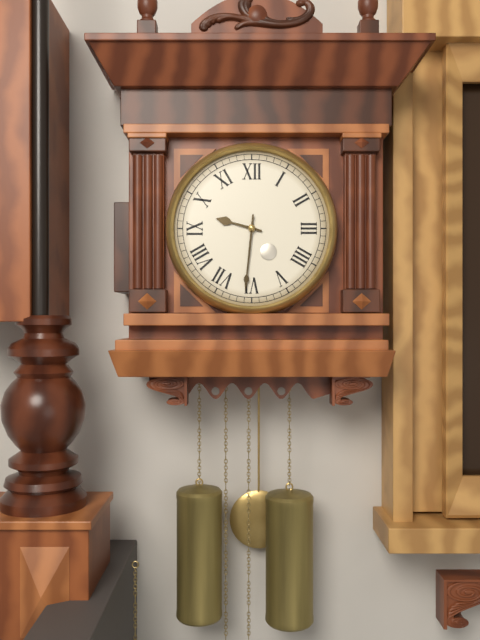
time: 9:31
